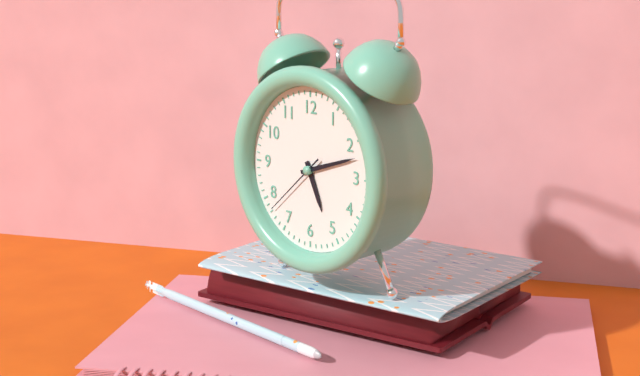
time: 5:12:38
